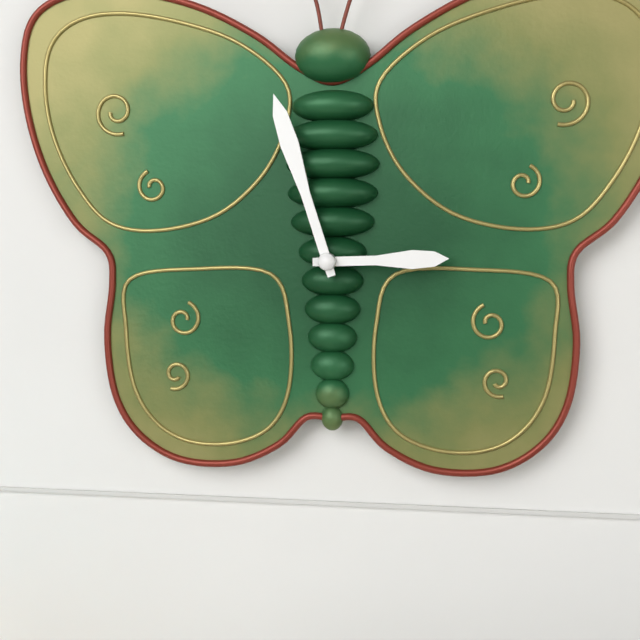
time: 2:57
